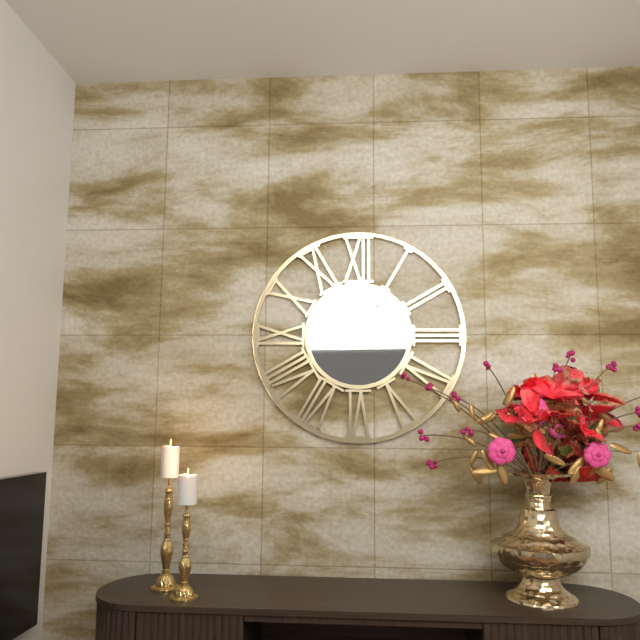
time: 12:58
